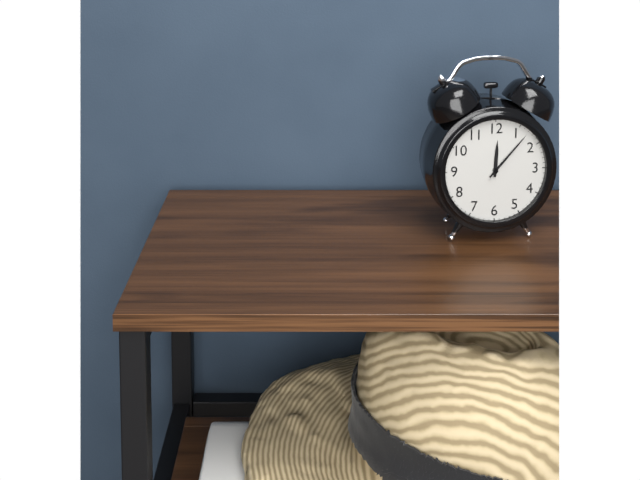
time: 12:07
